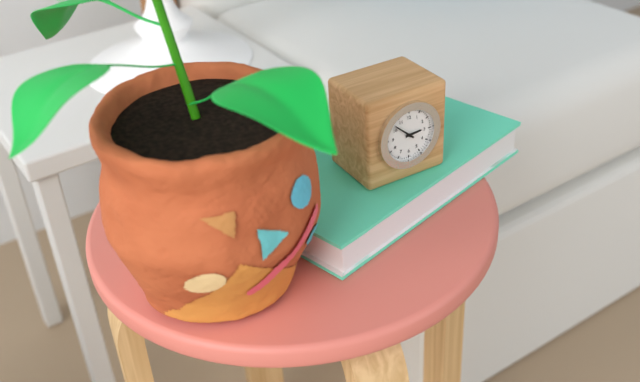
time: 2:52
